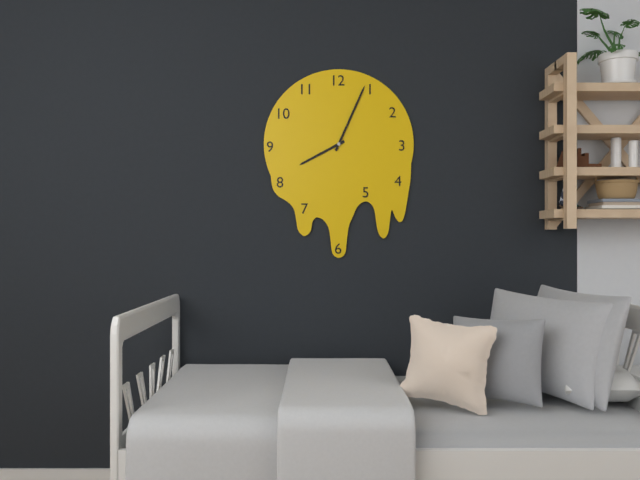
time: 8:04
